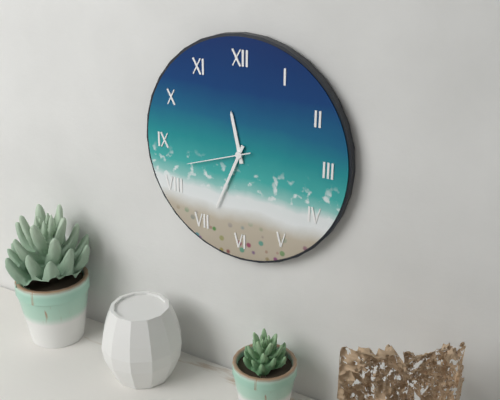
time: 11:34:42
